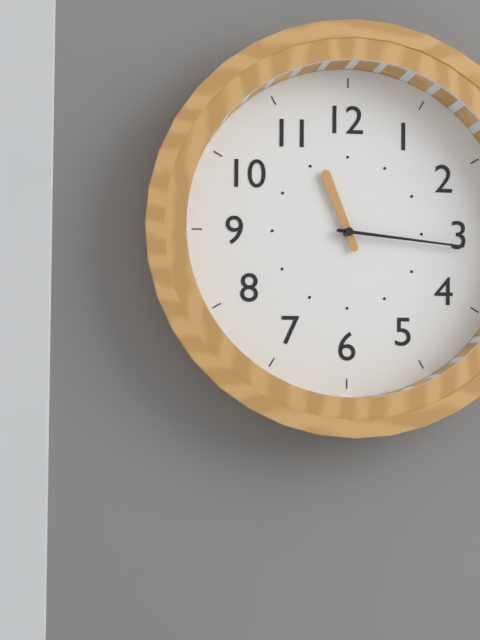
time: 11:16
